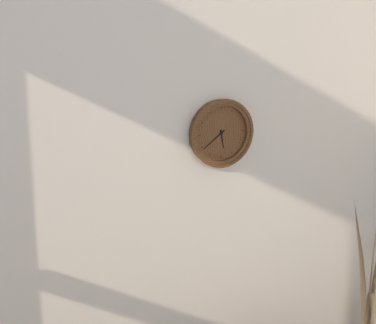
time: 5:39
